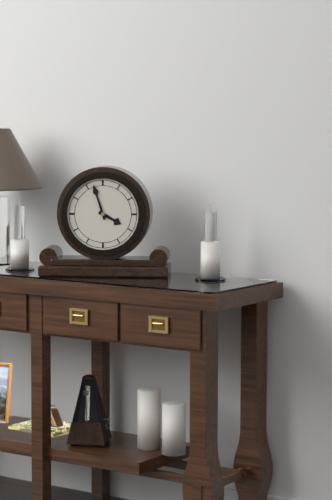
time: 3:57
